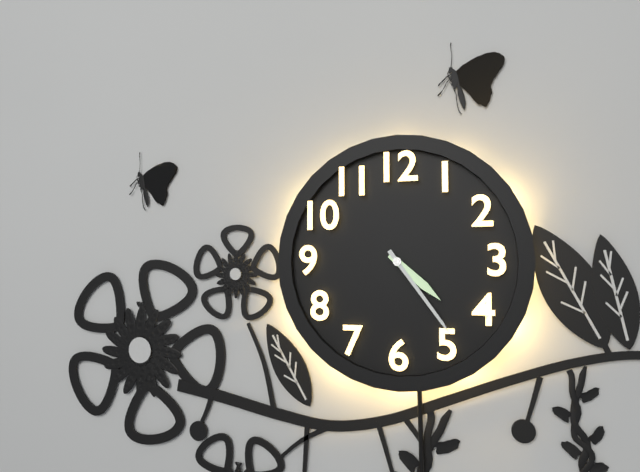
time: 4:24
